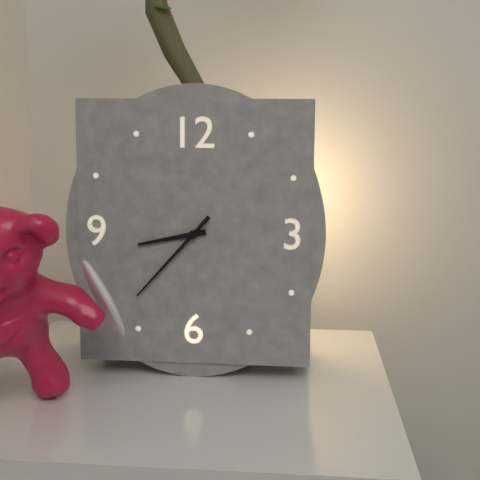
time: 8:37
